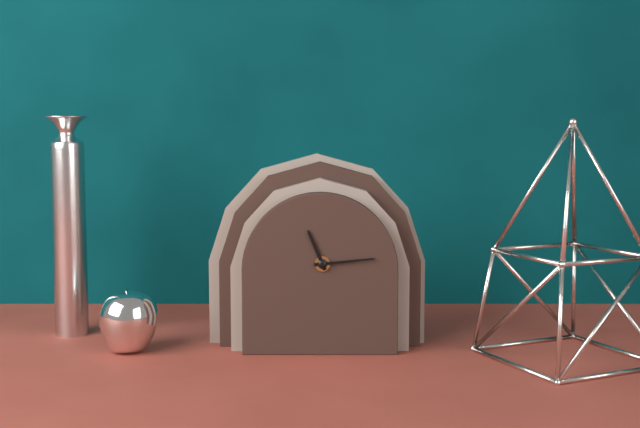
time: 11:14
